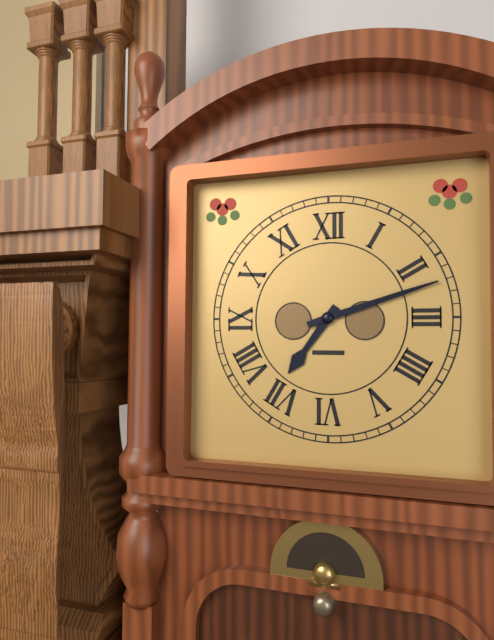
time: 7:12
